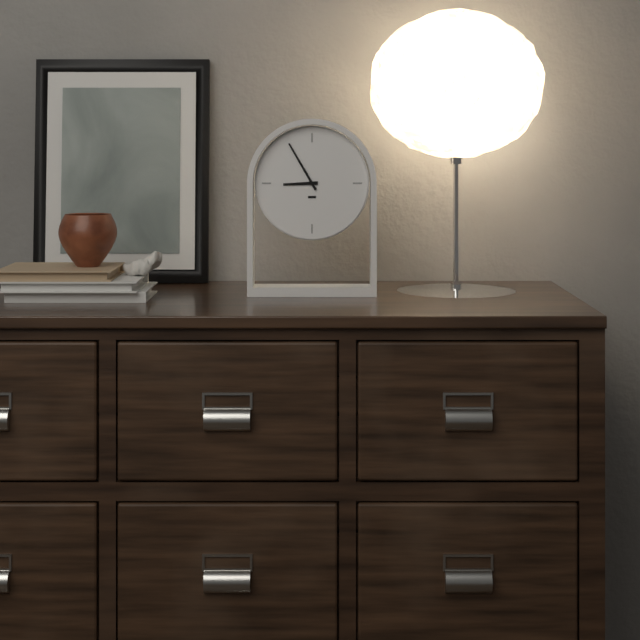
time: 8:55
